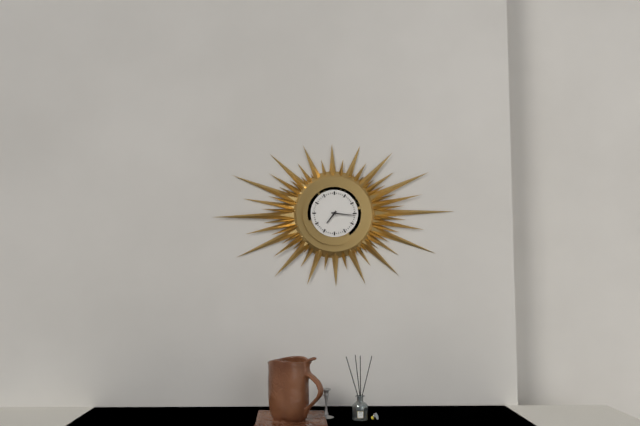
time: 7:16
